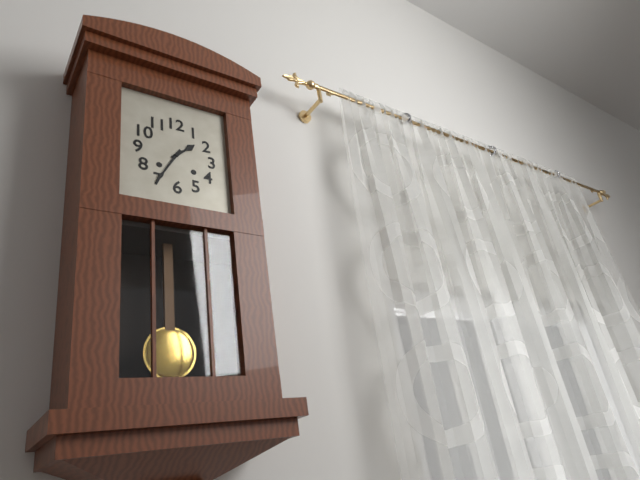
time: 1:35
